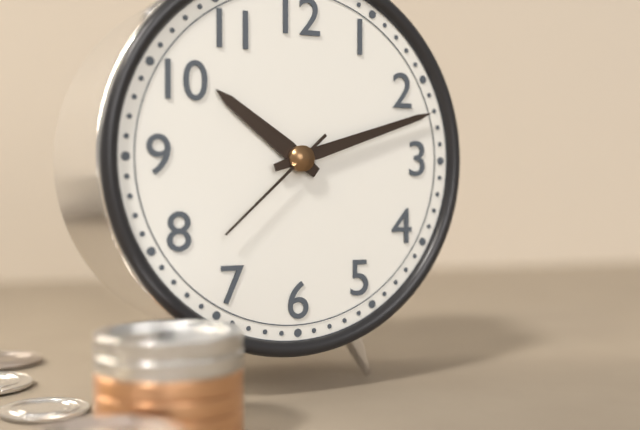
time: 10:12:38
